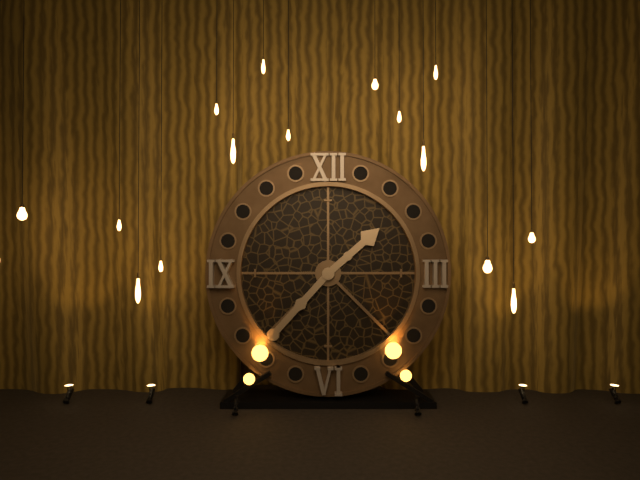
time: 1:37
